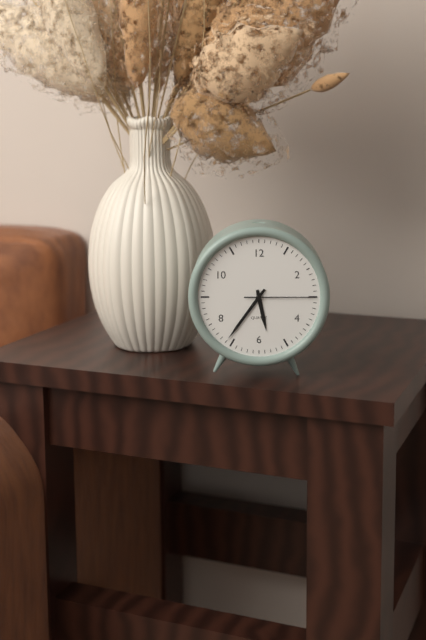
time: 5:36:15
